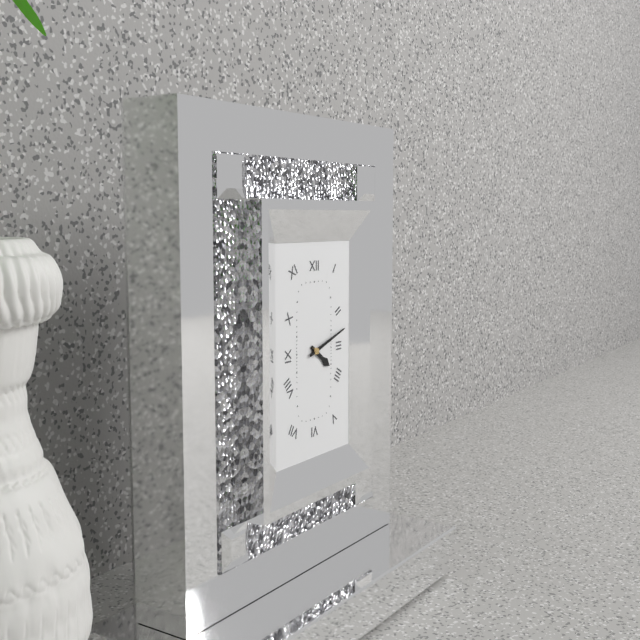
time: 4:12
